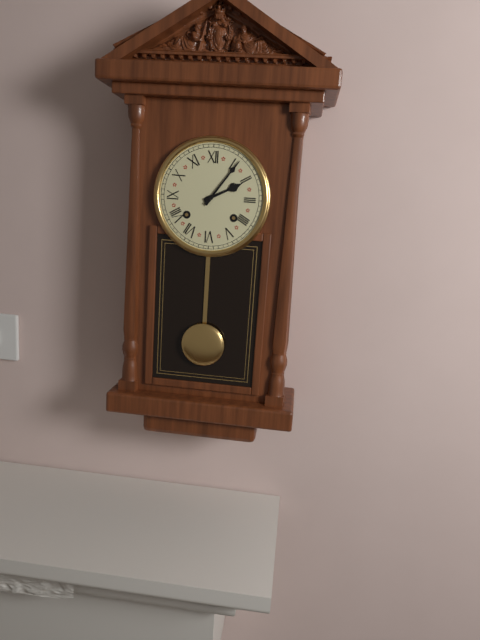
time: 2:06
